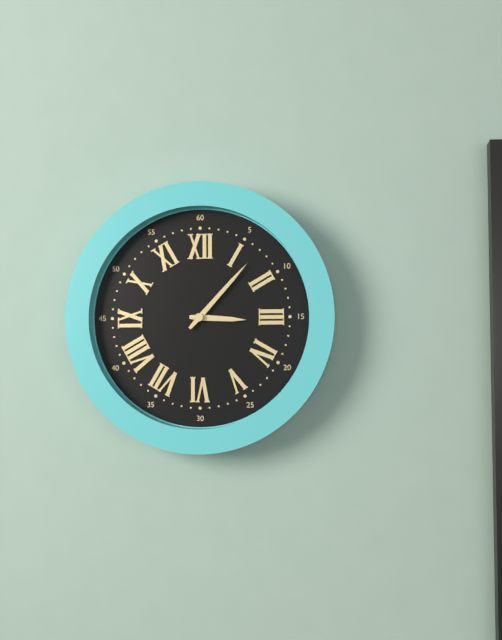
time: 3:07
